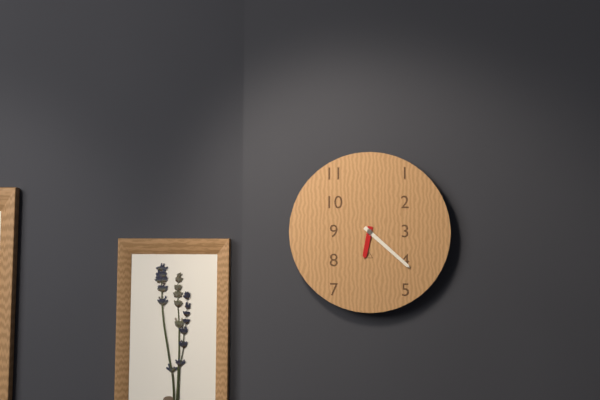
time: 6:22
